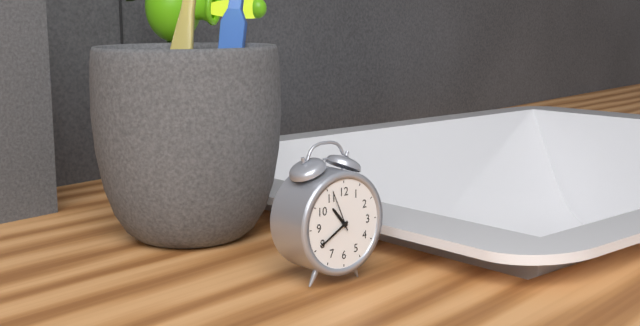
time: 10:40
